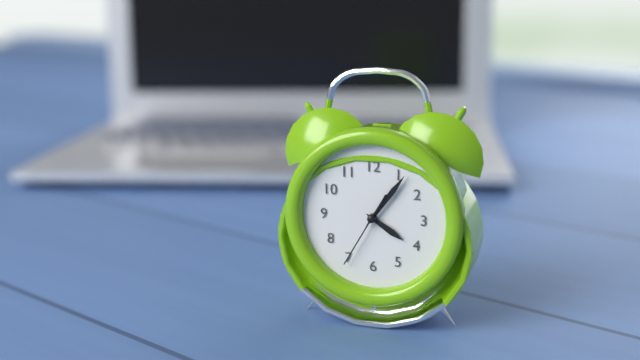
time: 4:06:35
